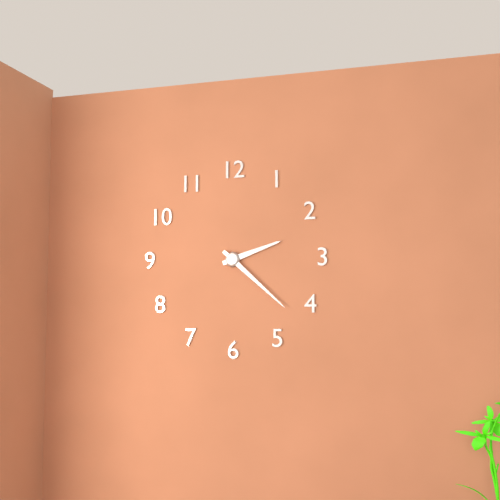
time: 2:22
